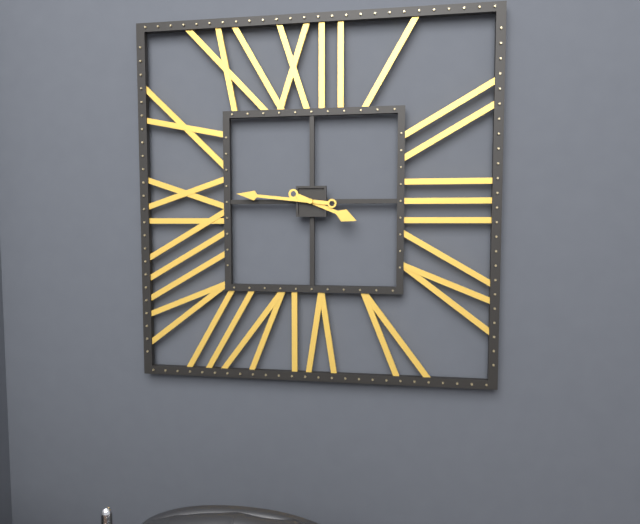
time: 3:46
